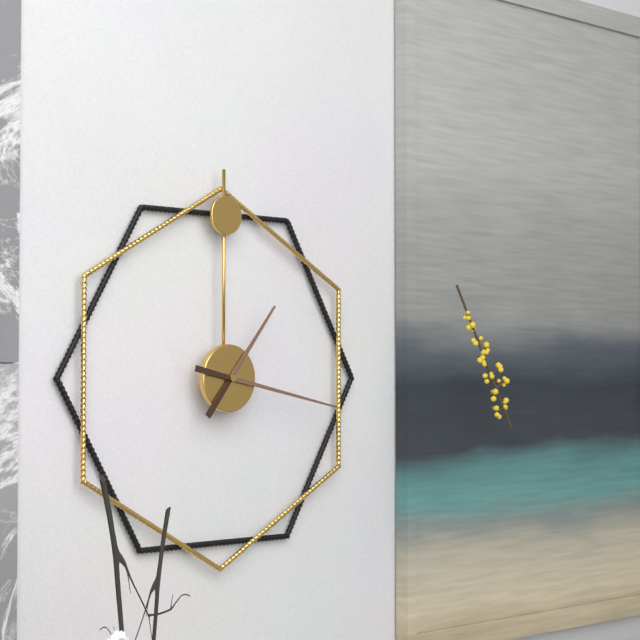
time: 1:17
